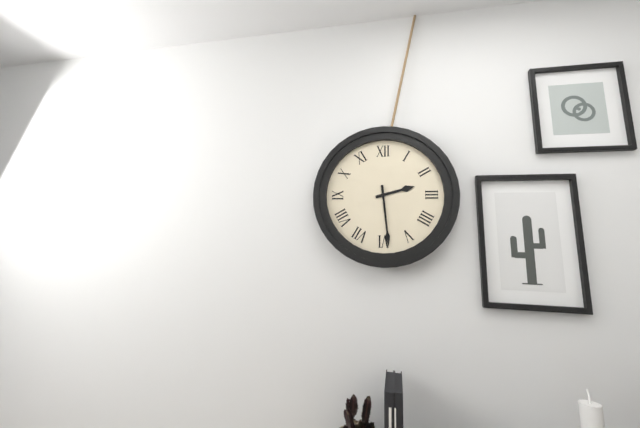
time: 2:29
